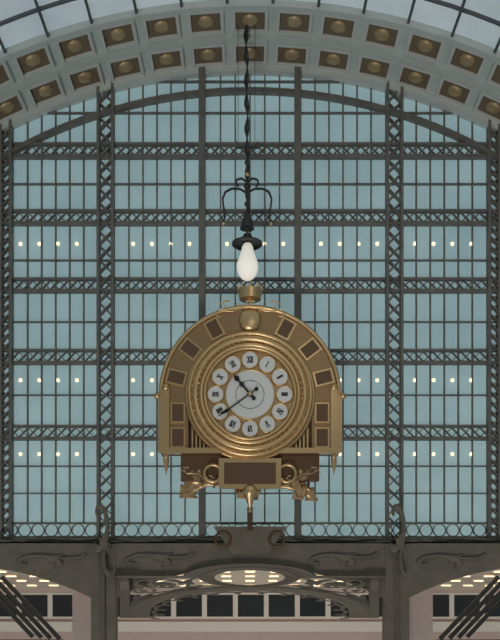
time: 10:39
